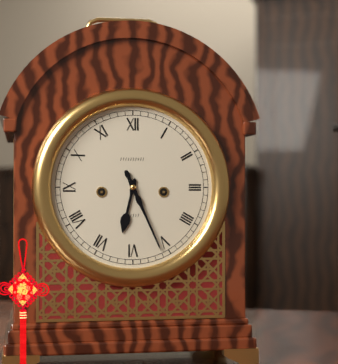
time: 6:26
